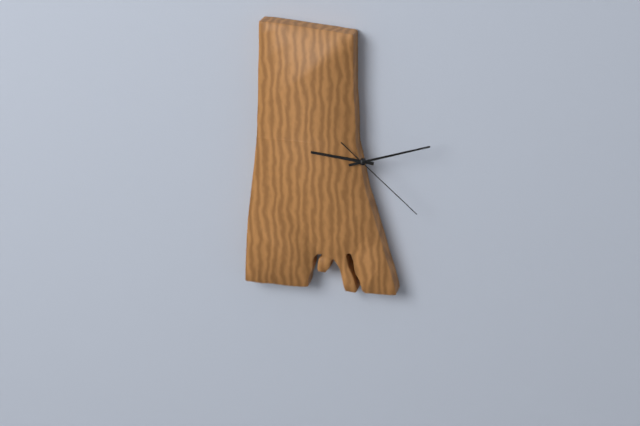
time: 9:12:22
